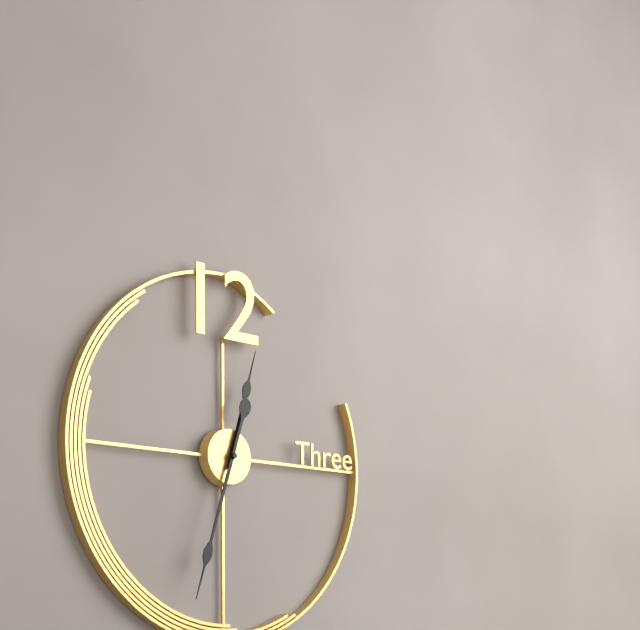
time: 12:33
